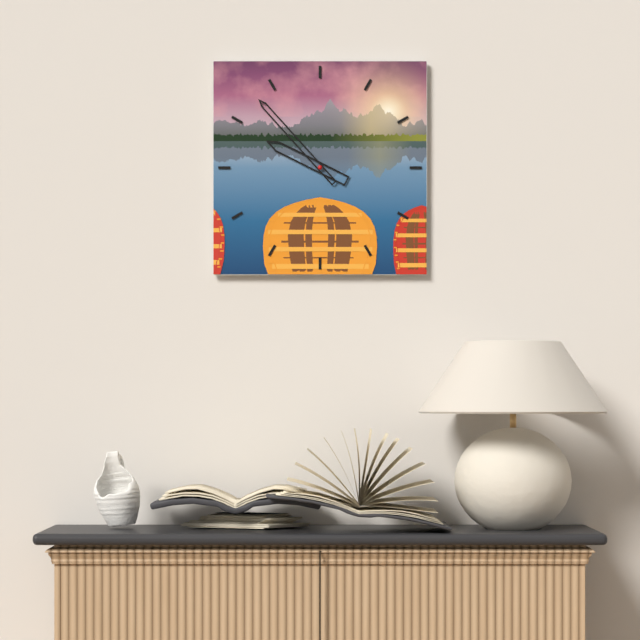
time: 9:53
